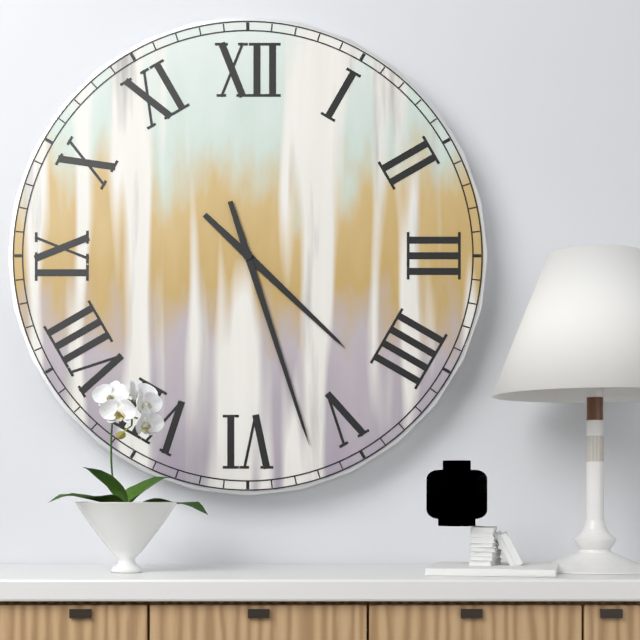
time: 4:27
